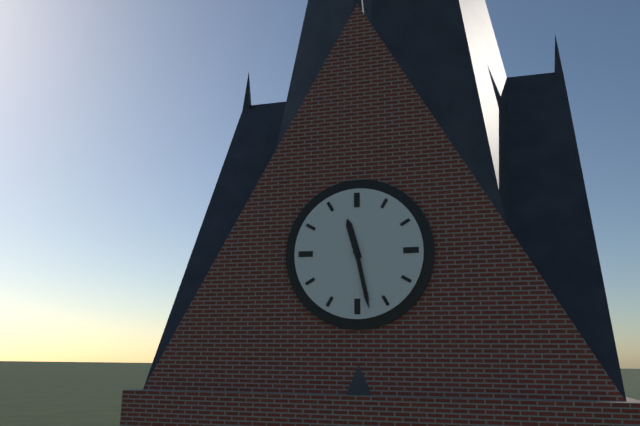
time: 11:28
